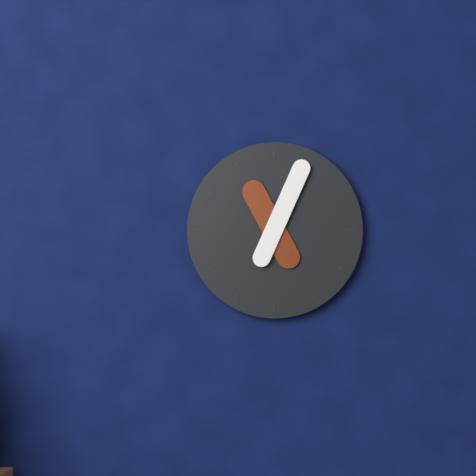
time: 11:04
